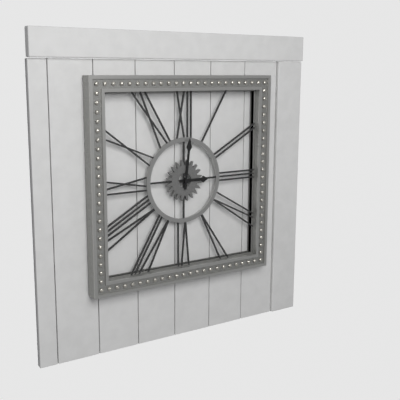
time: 3:01
